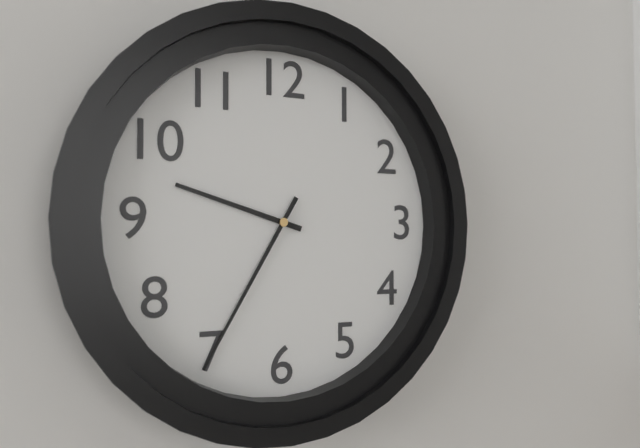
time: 9:35
